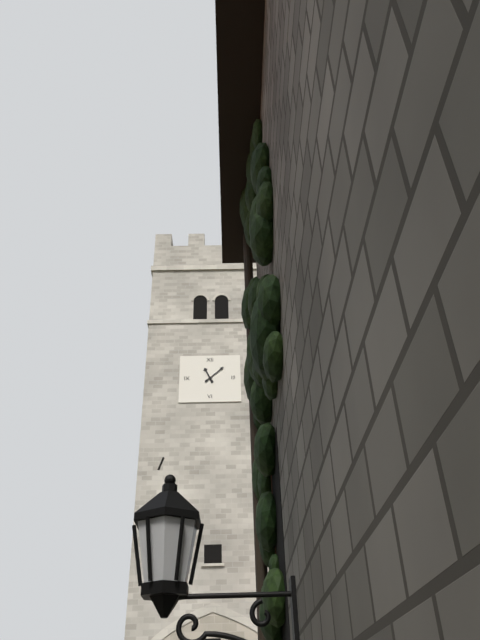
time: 11:08
